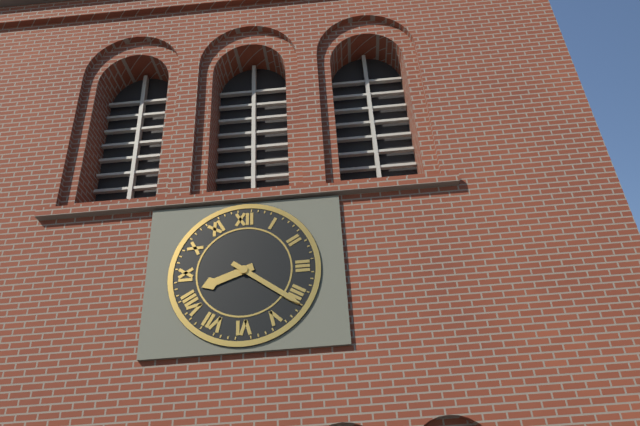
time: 8:21
